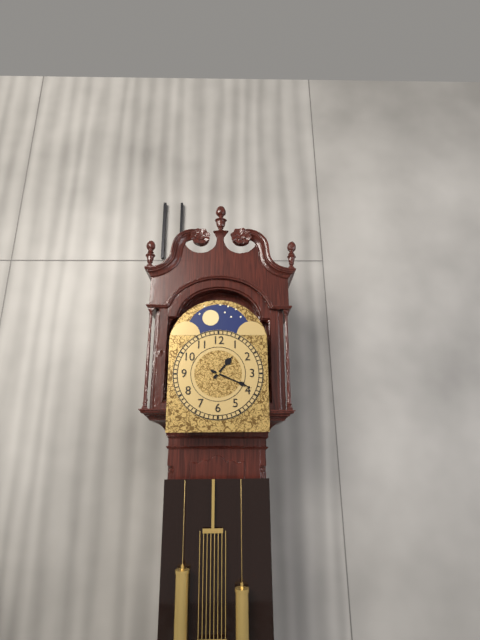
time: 1:19
